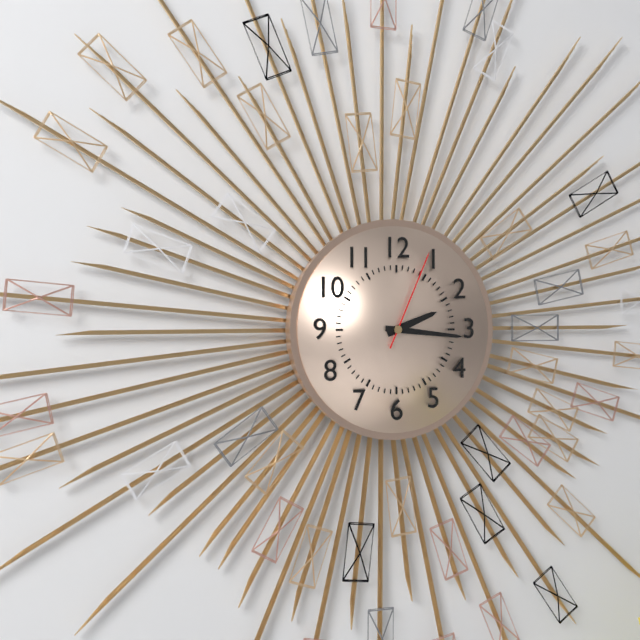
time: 2:16:04
